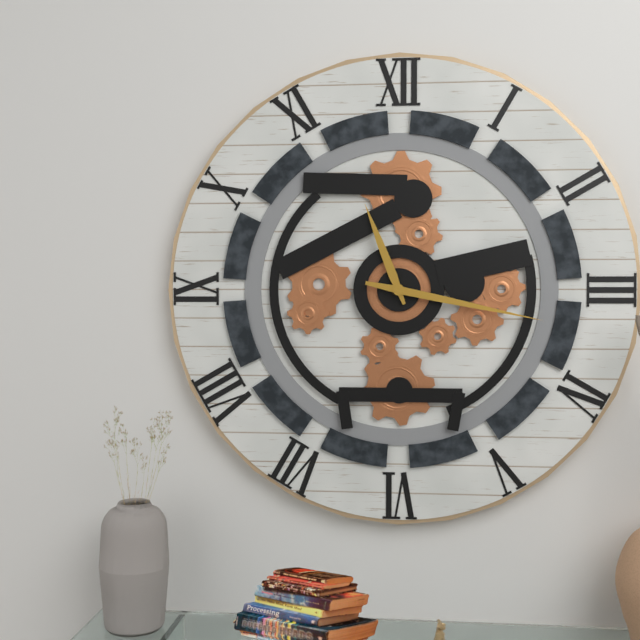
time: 11:17
